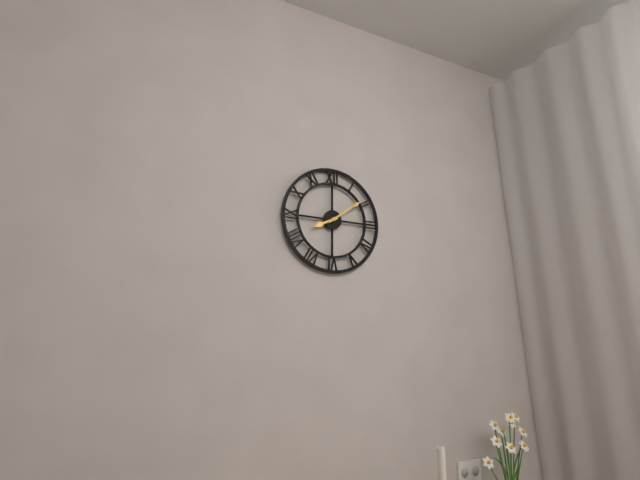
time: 8:09
